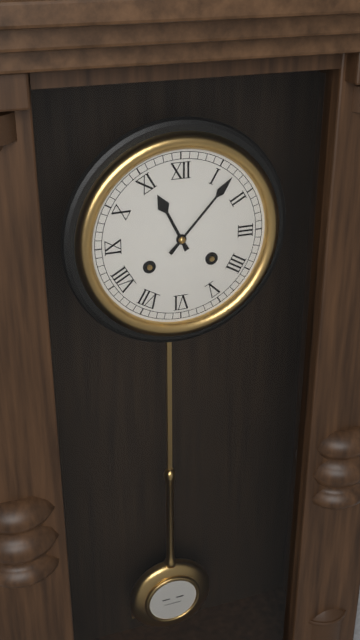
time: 11:07
